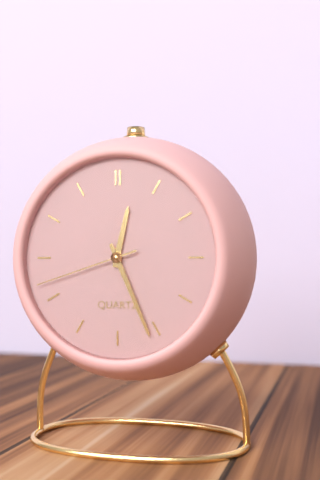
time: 12:26:42
